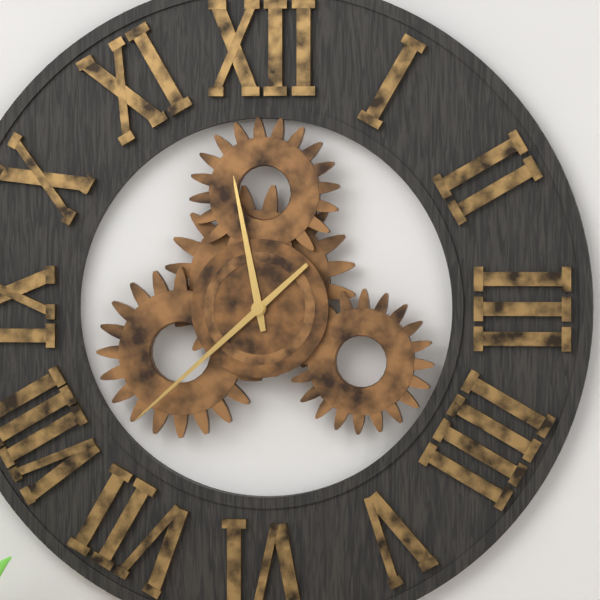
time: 11:38
